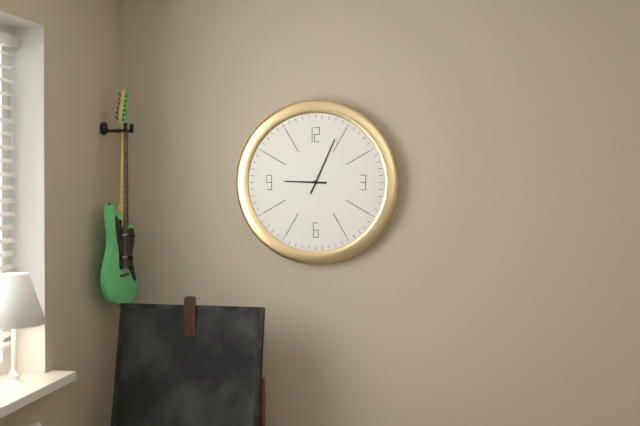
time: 9:04
